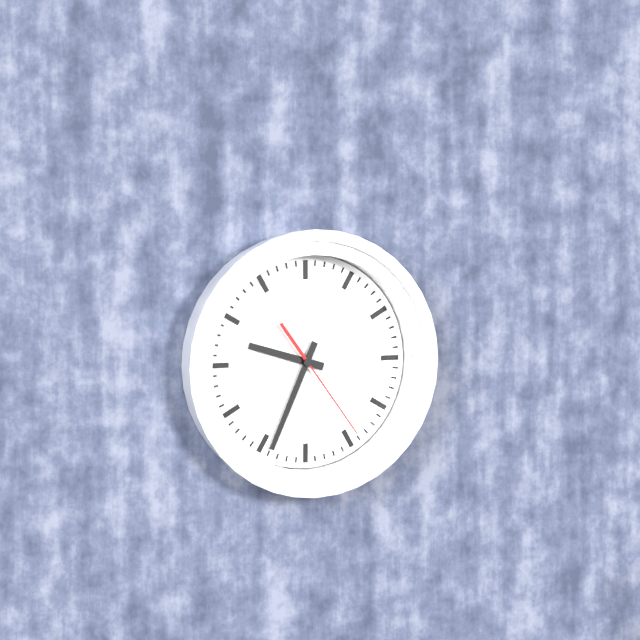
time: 9:34:24
